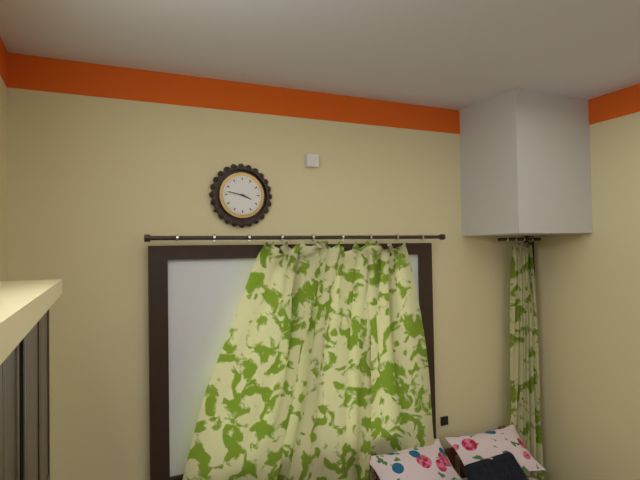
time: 3:47
